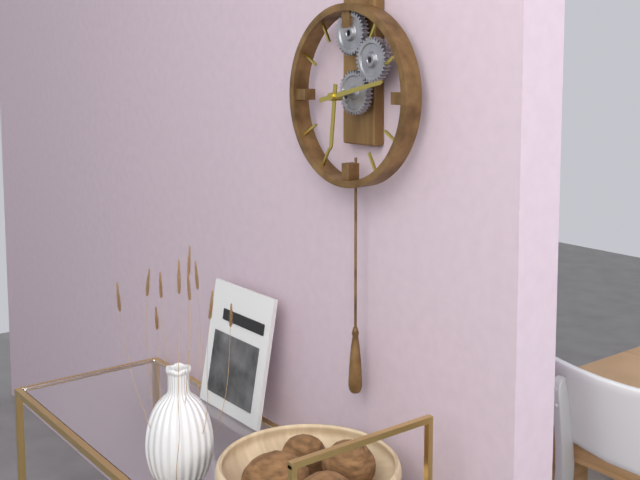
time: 6:13
